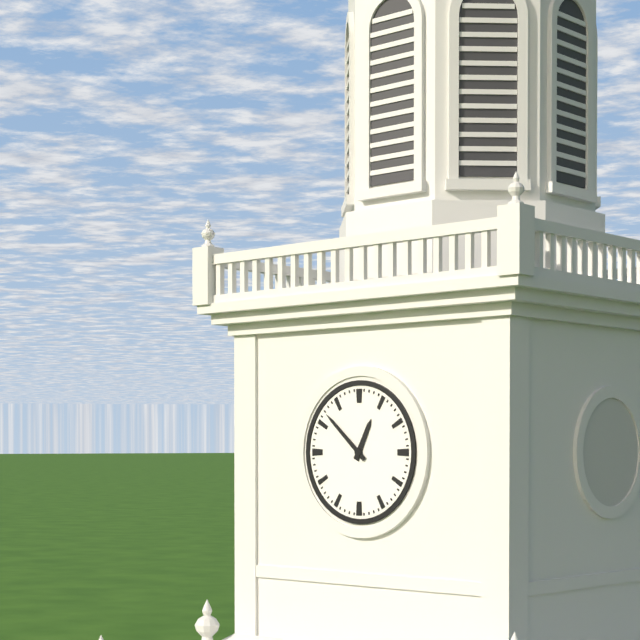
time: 12:52
